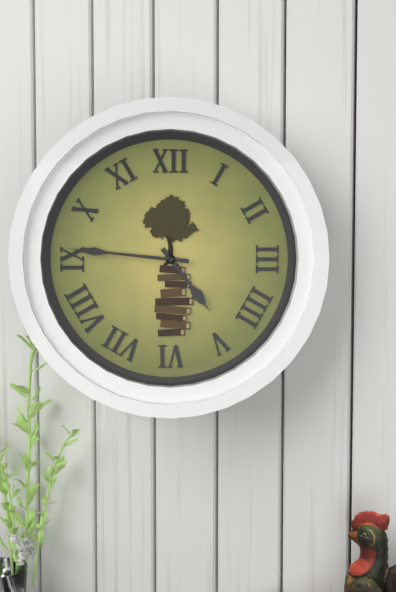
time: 4:46
